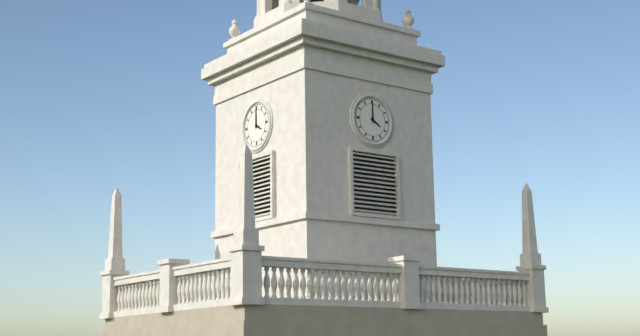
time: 4:00
